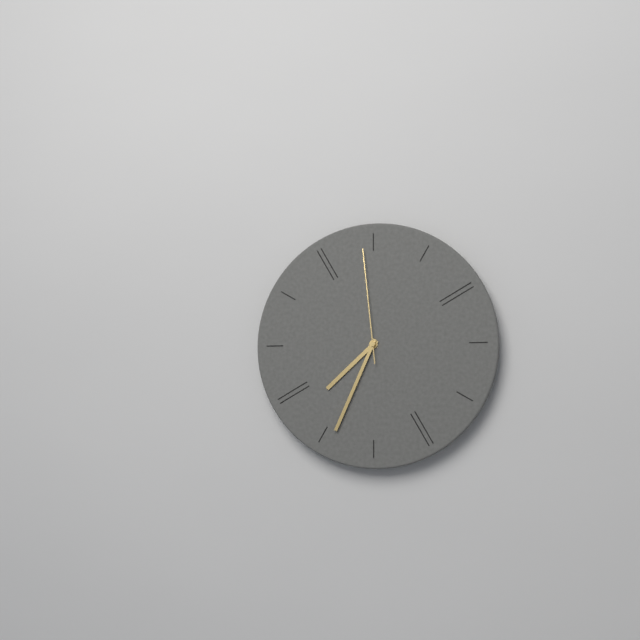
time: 7:34:59
